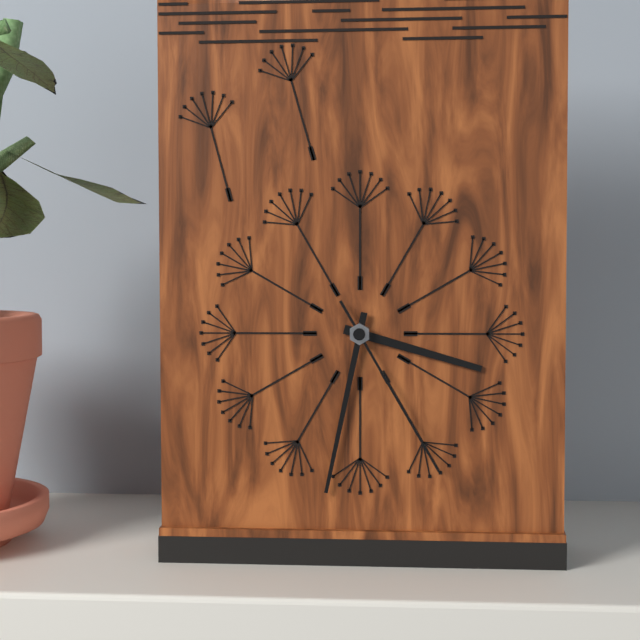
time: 3:32:25
